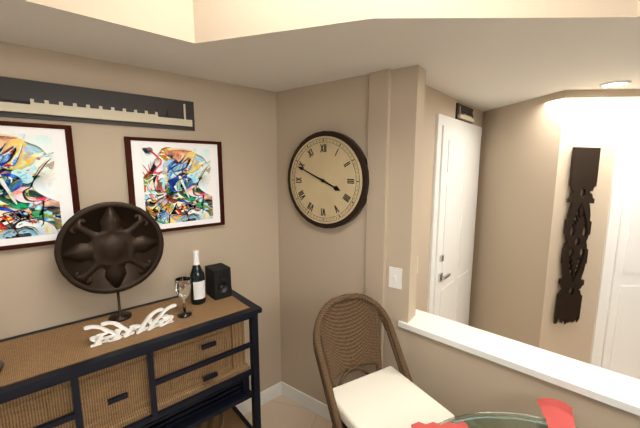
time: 3:49
